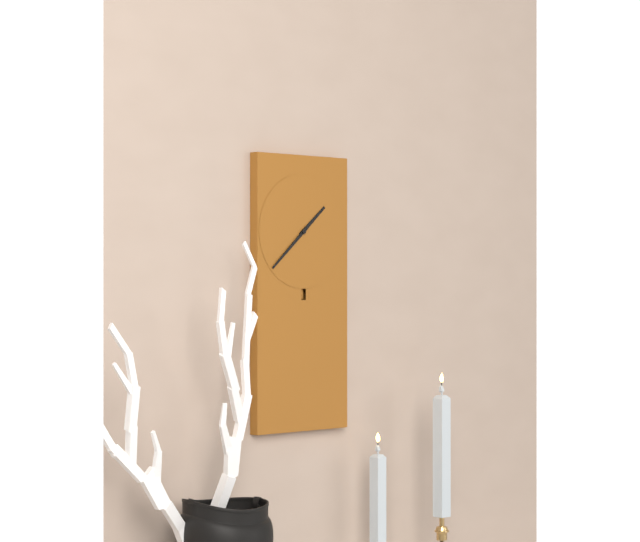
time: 1:38
